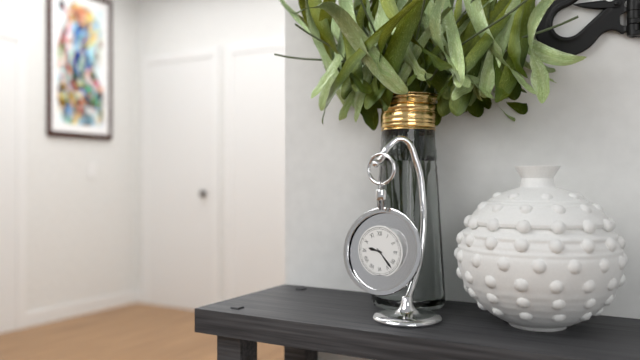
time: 9:23
